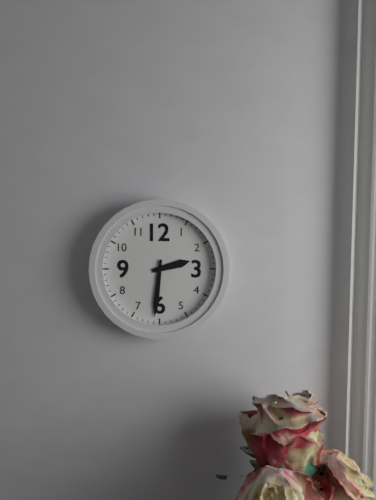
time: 2:31
